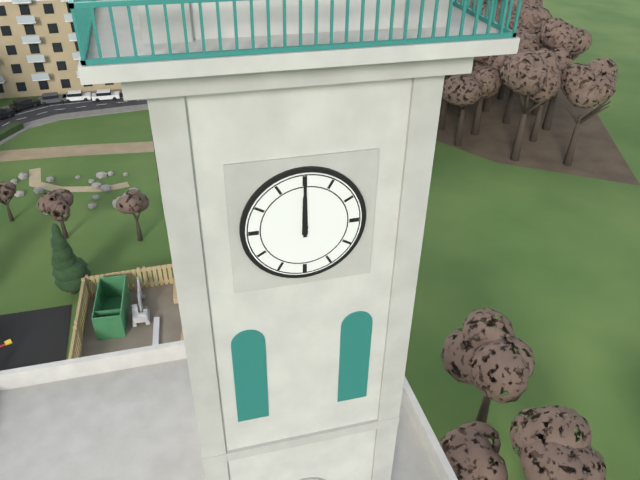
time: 12:00
